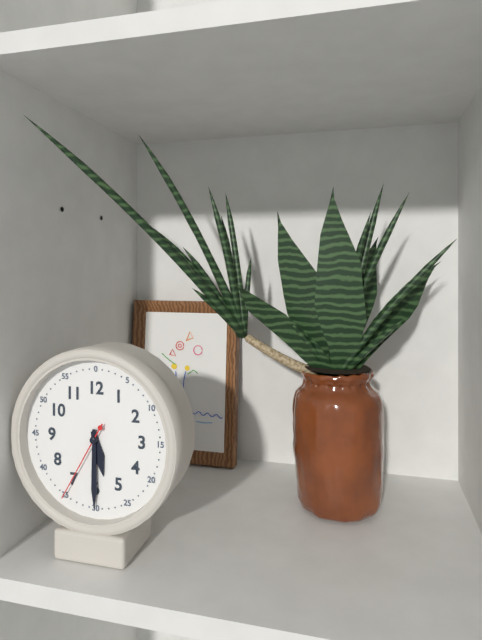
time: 5:30:35
